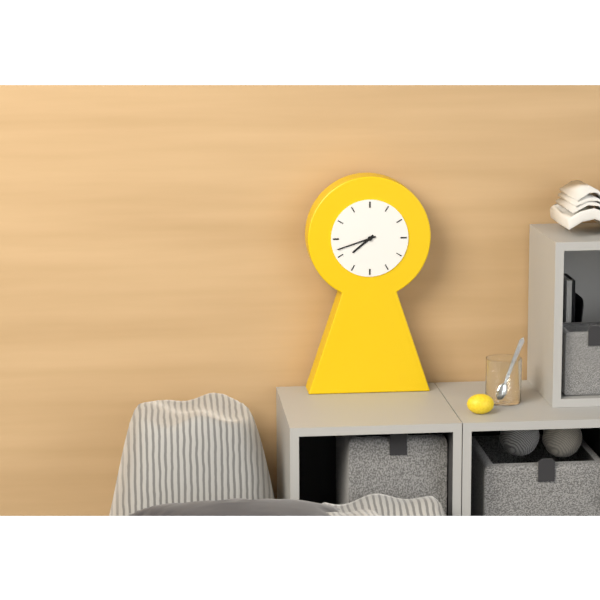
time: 7:42
